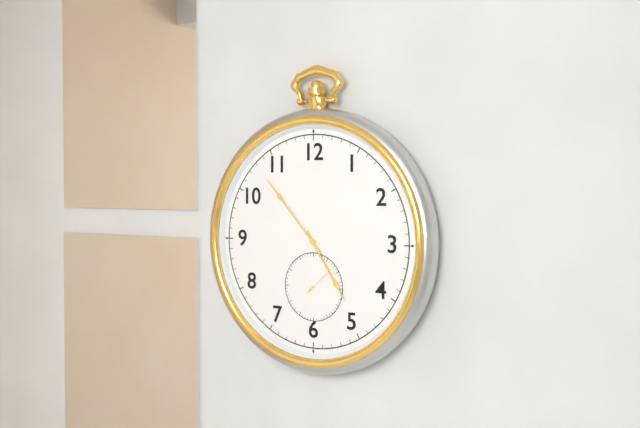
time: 4:53
